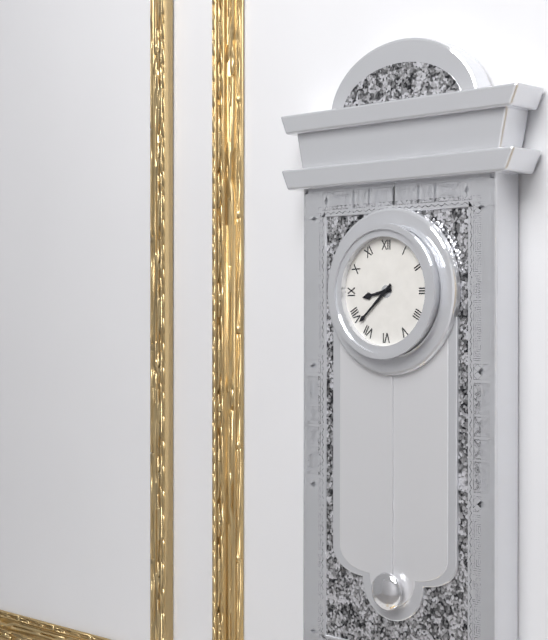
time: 8:38
